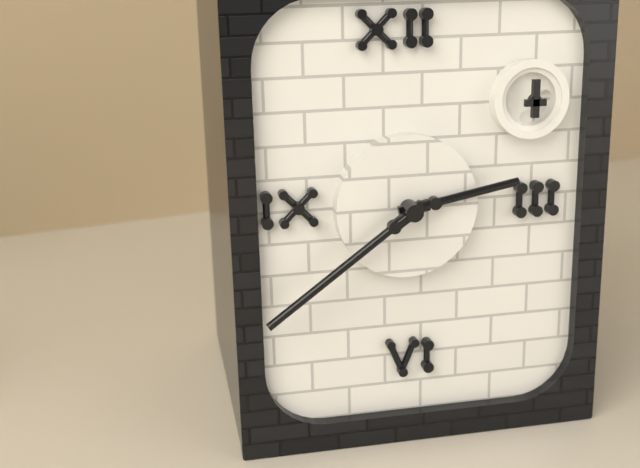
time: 2:39
